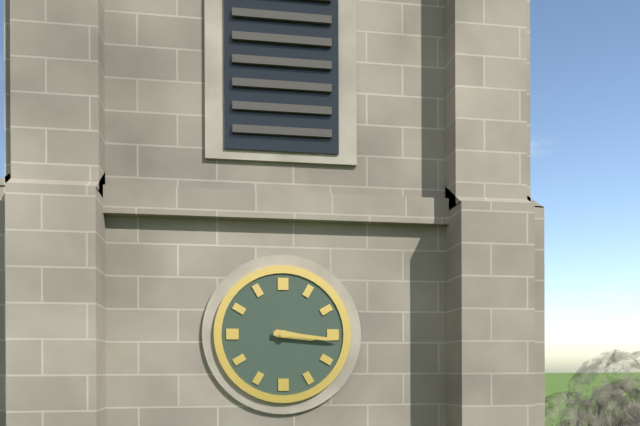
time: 3:16
